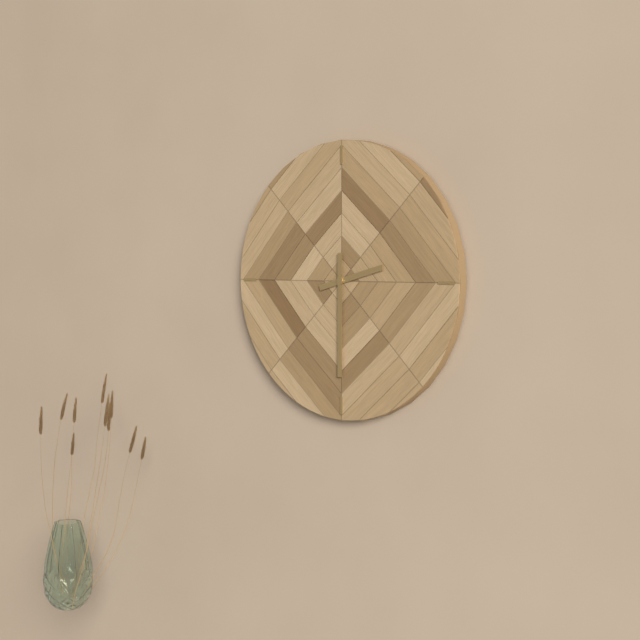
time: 2:30
